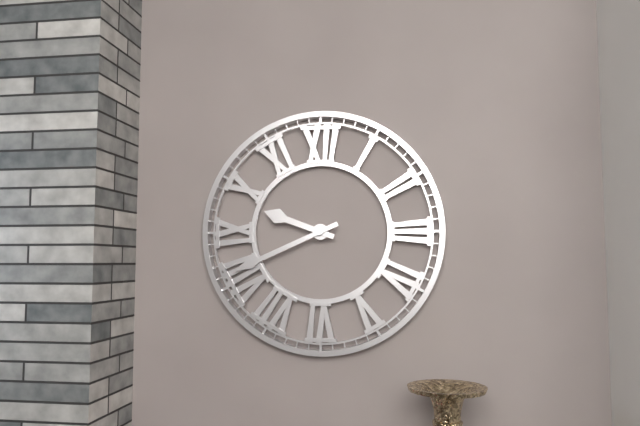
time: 9:41
